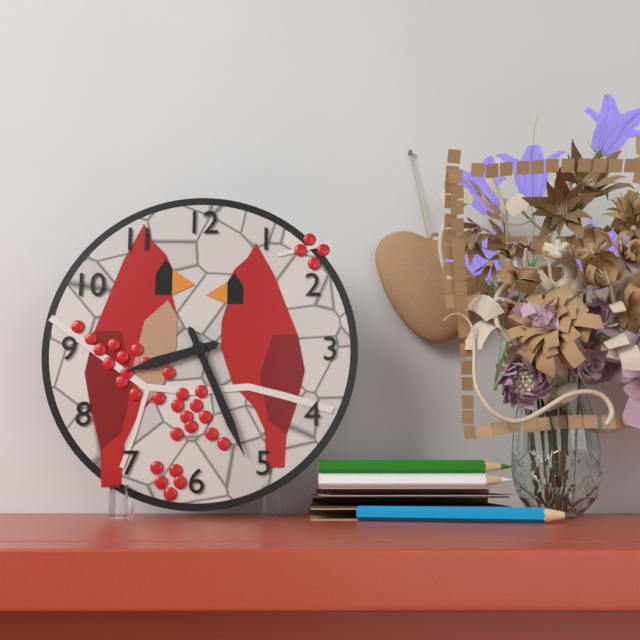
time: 8:26
